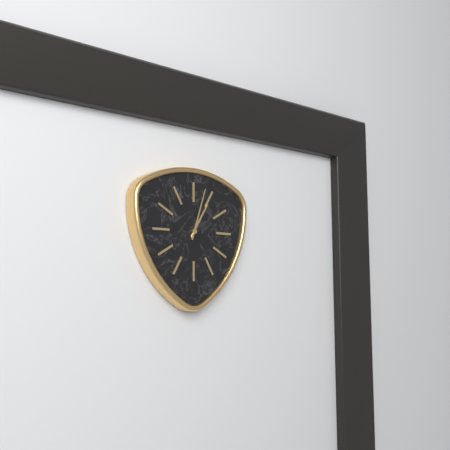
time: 1:03
